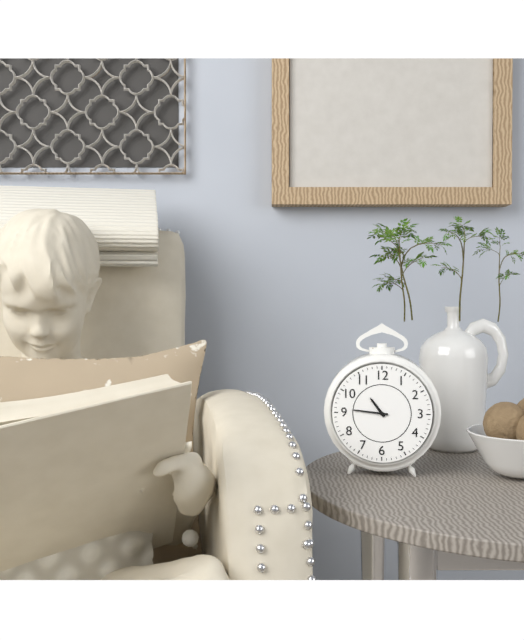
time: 10:46
